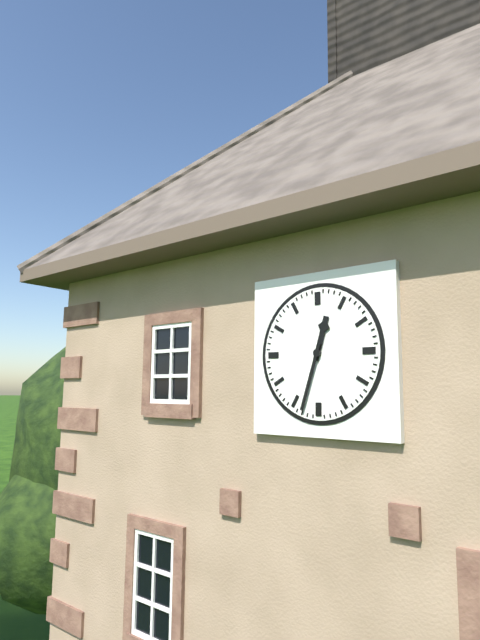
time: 12:33
